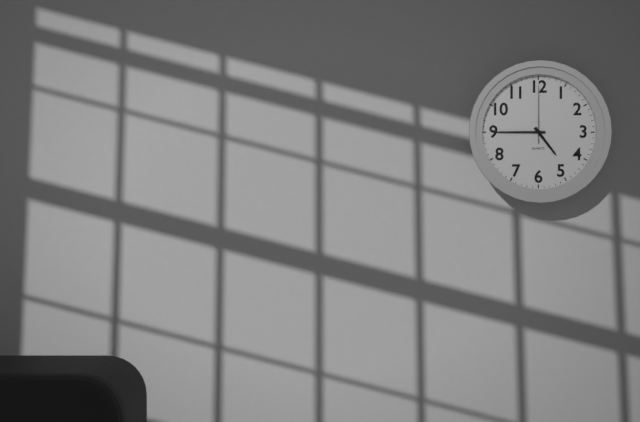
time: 4:45:00
